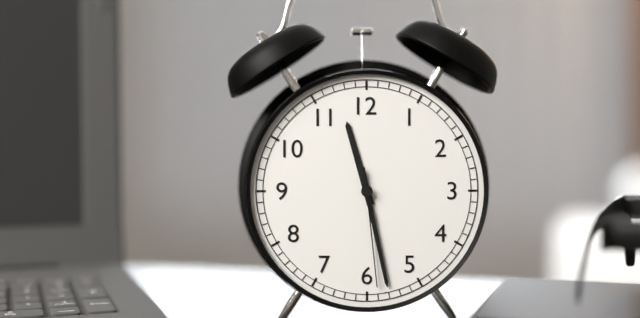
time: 11:28:29
